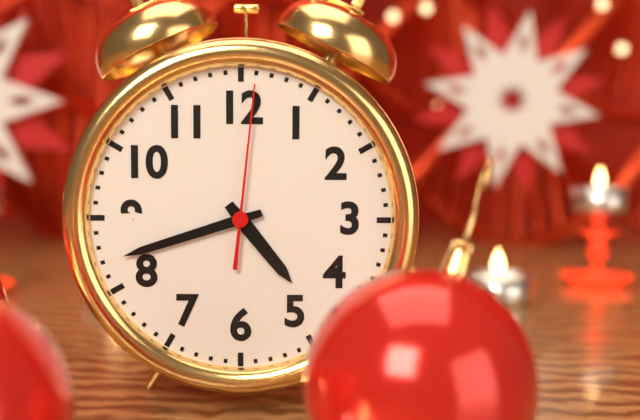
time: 4:42:01
